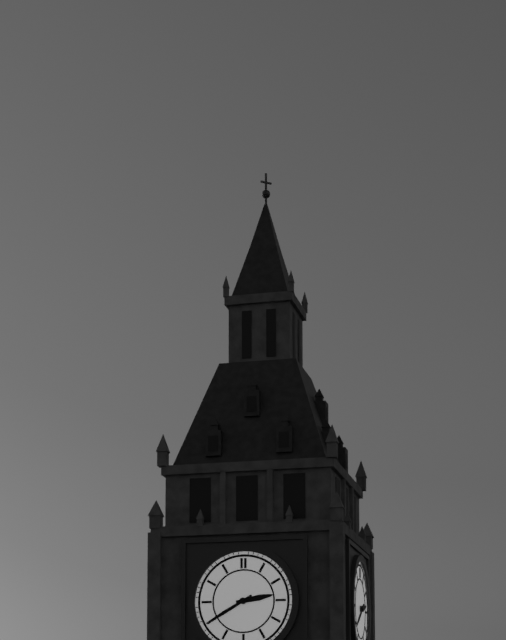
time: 2:40
